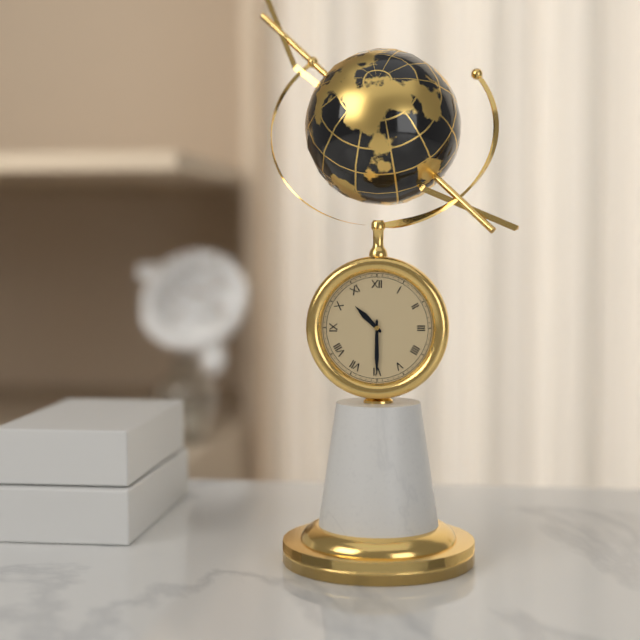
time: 10:30
